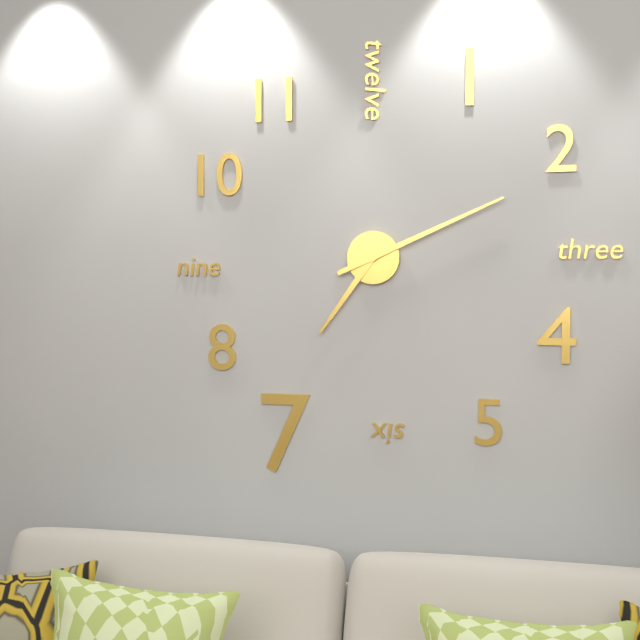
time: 7:11
